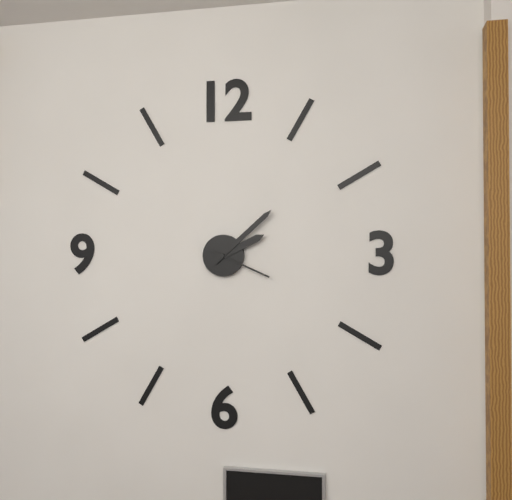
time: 2:08:19
